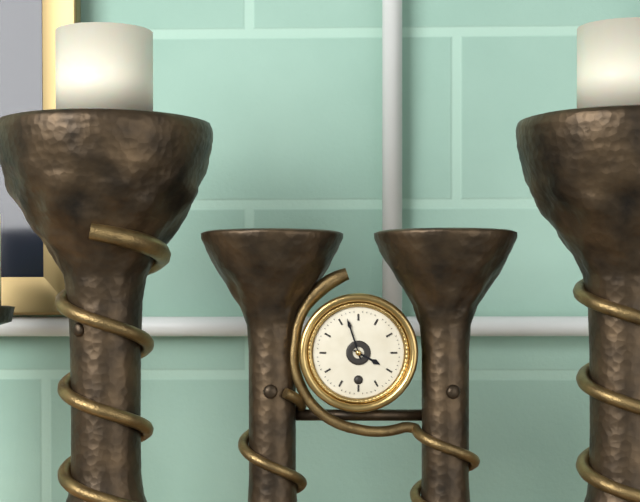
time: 3:57
